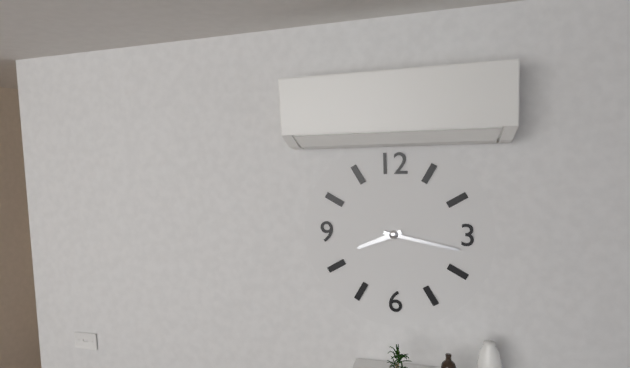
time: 8:17
